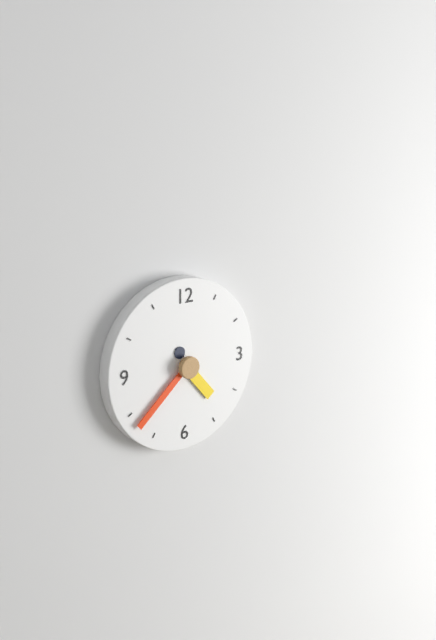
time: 4:38
